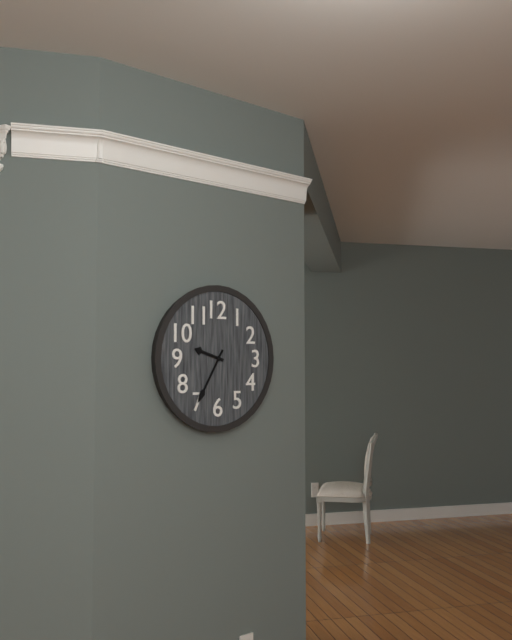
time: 9:35
